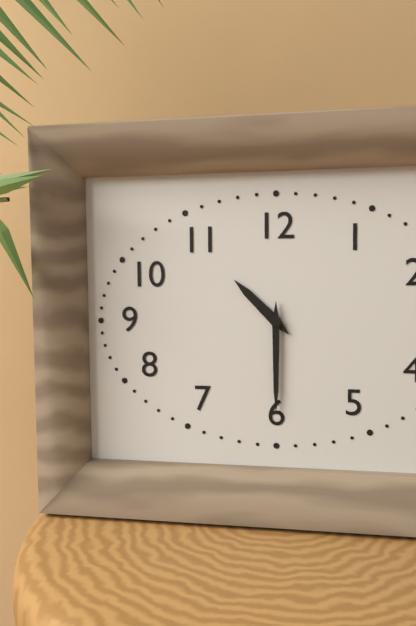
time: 10:30
